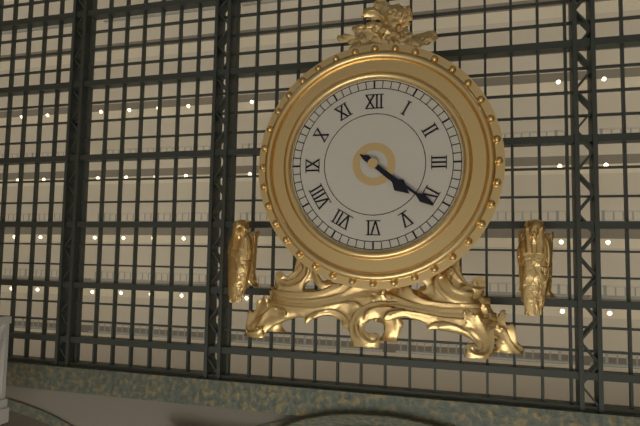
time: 4:21
